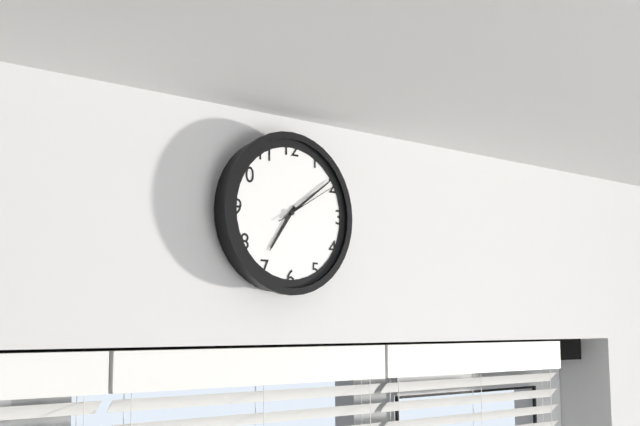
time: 7:09:10
